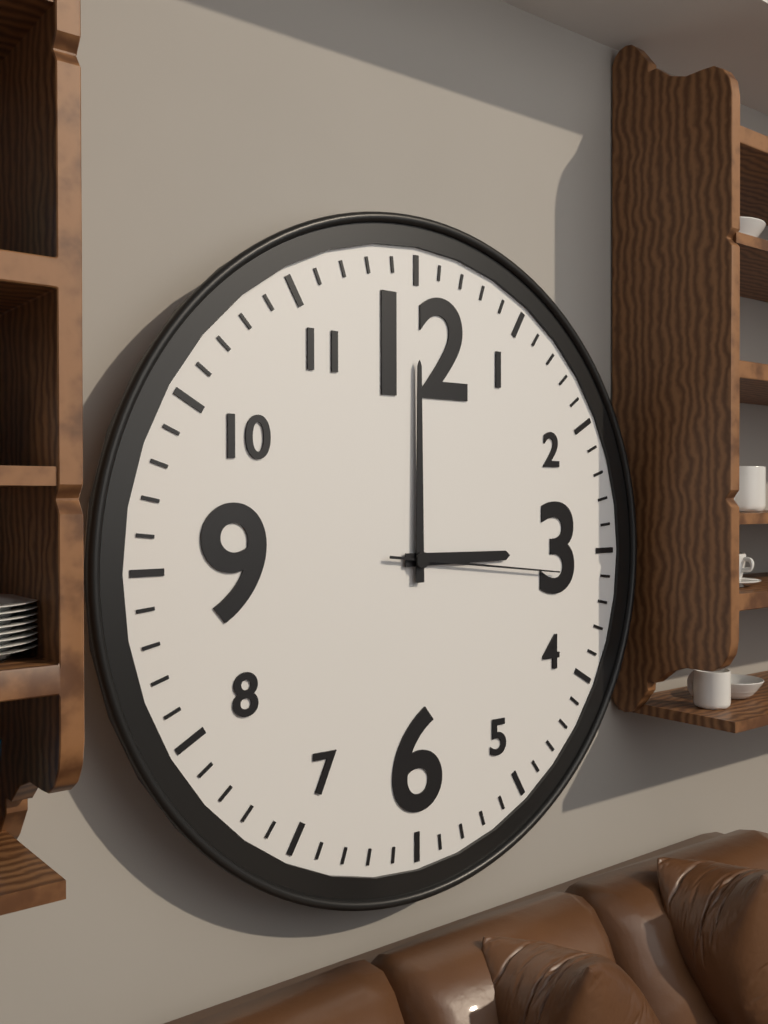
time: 3:00:16
